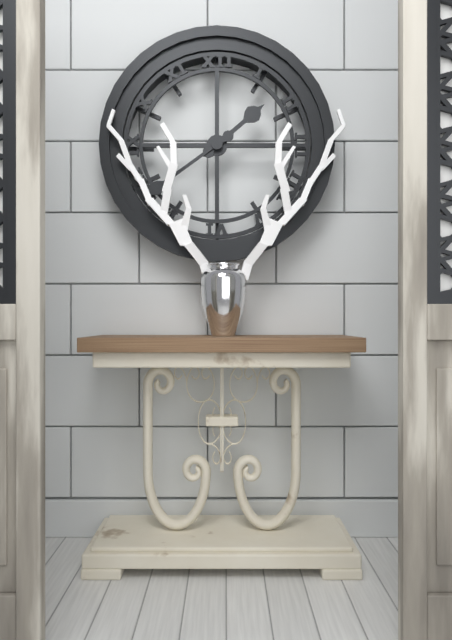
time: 1:39
